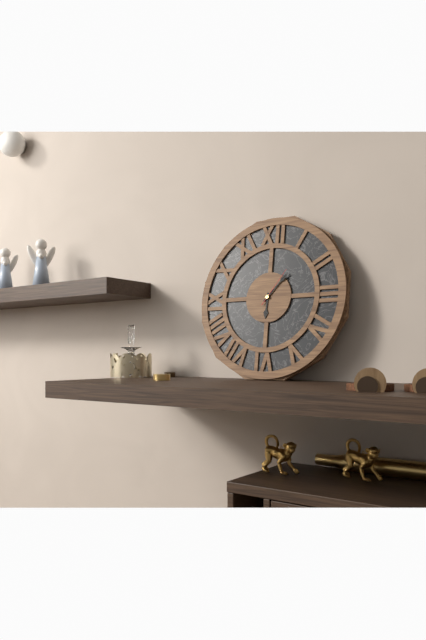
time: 6:07
